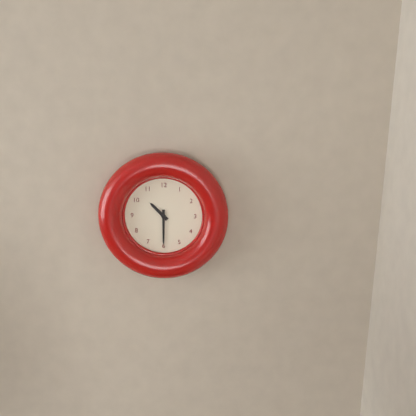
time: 10:30
